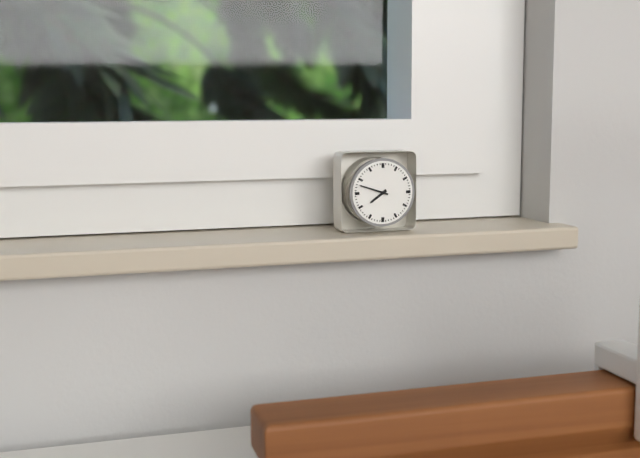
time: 7:48
